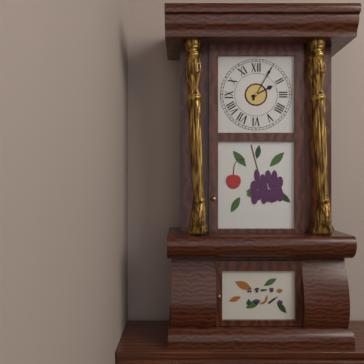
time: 2:05
